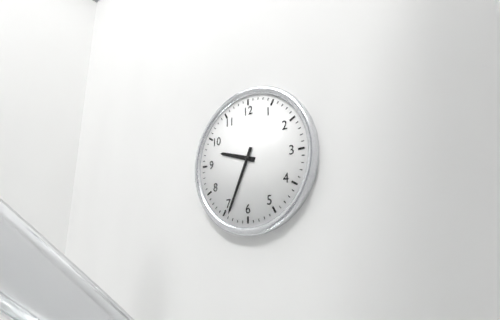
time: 9:34
